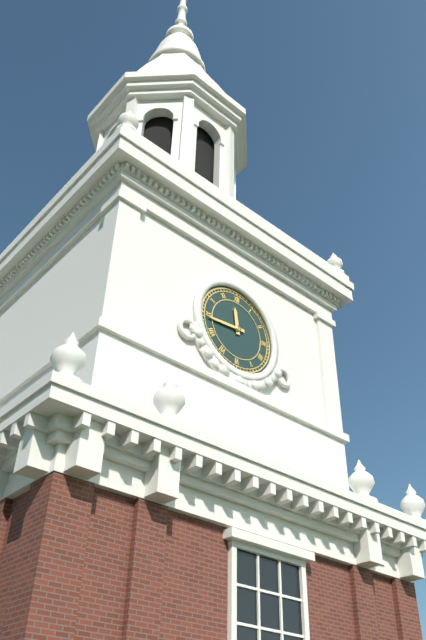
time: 11:44
